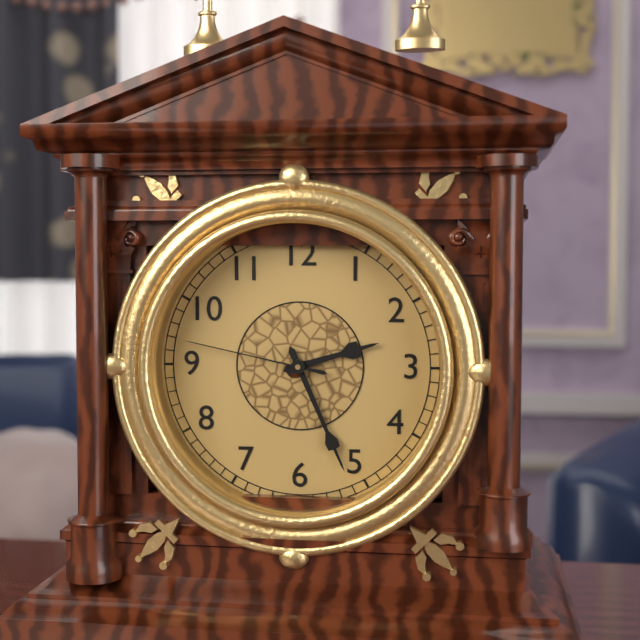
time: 2:26:47
